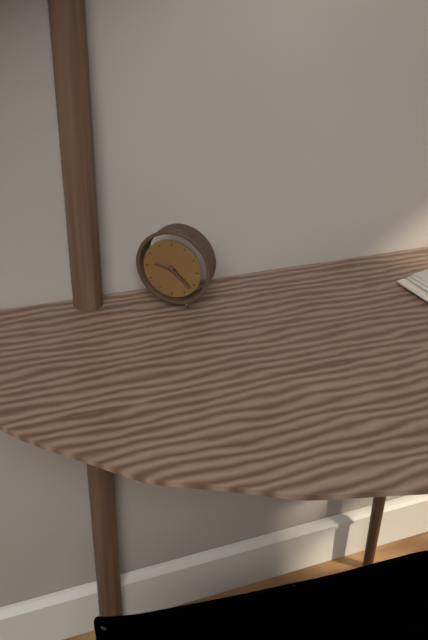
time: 9:22
